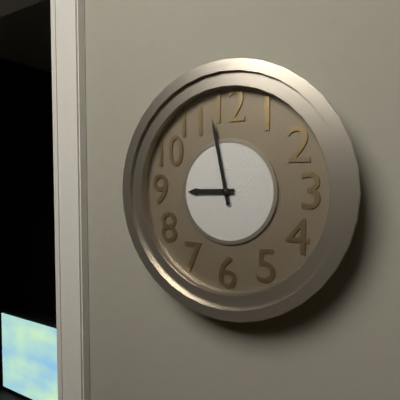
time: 8:58
